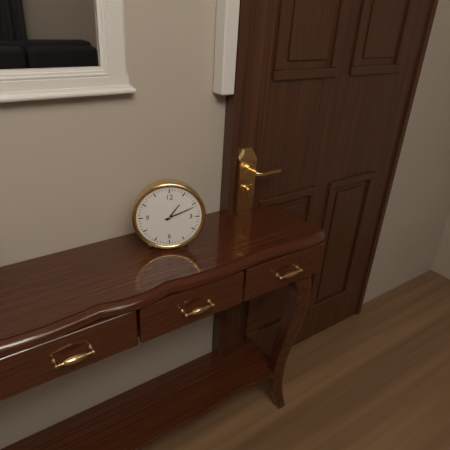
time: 1:11
